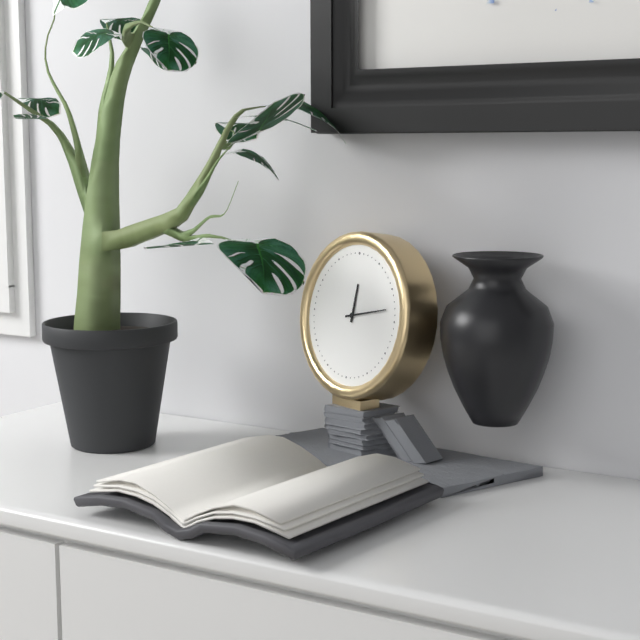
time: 12:13
